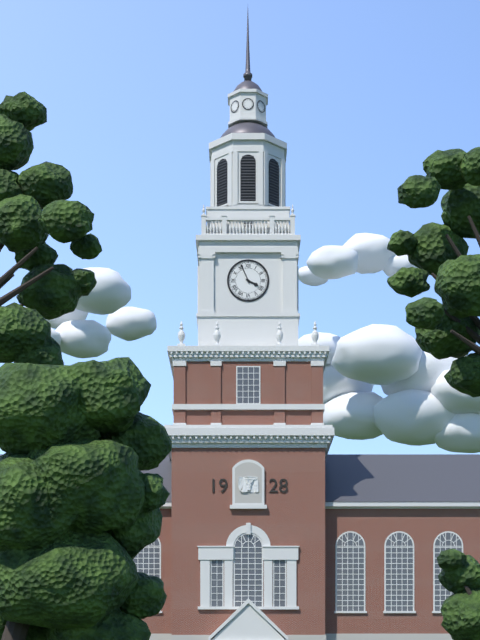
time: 3:56
